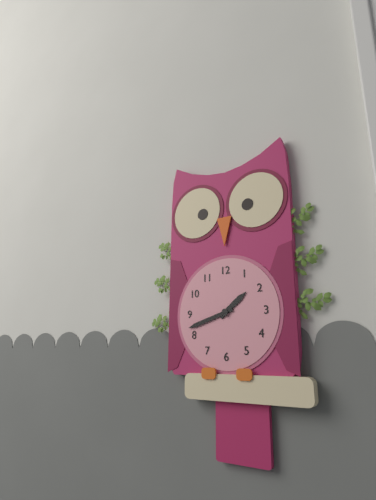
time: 1:42
